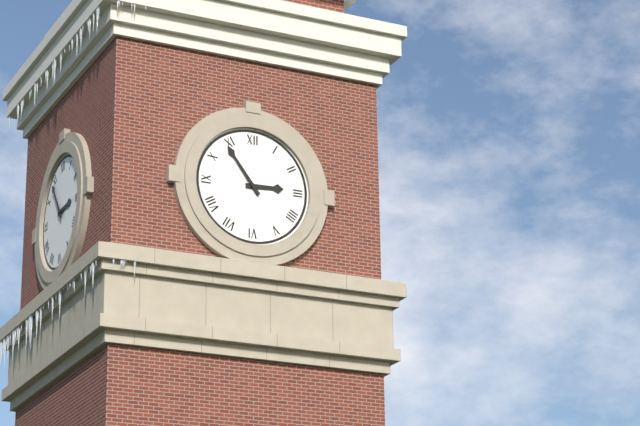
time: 2:54
